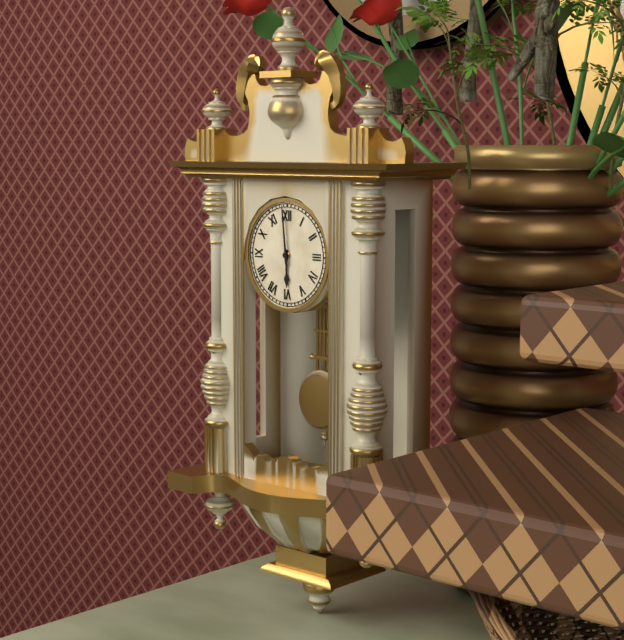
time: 5:59
